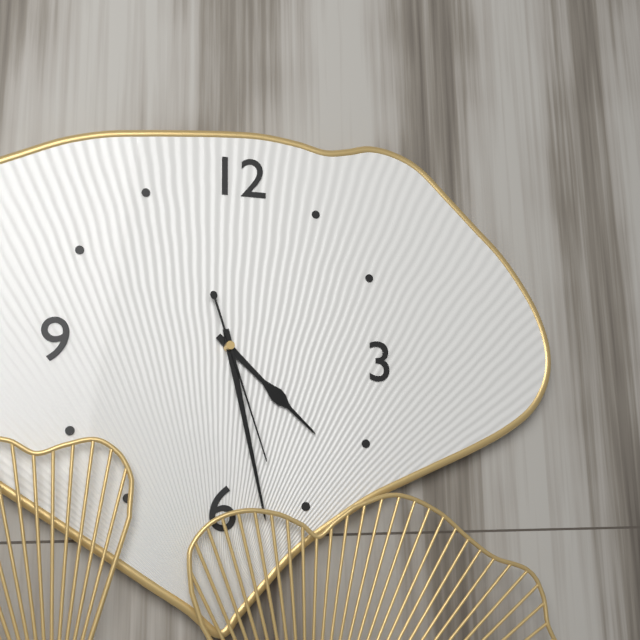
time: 4:28:27
